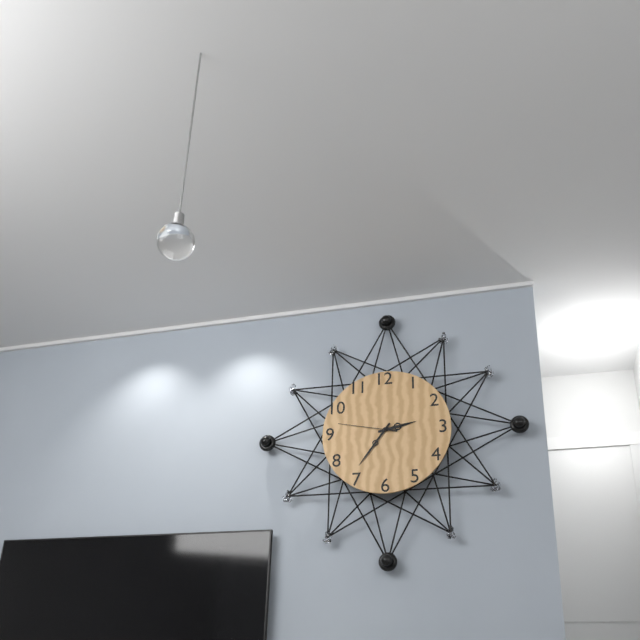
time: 2:36:47
